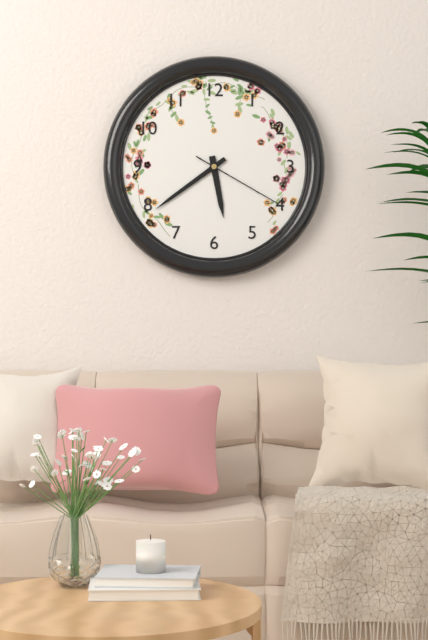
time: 5:39:20
